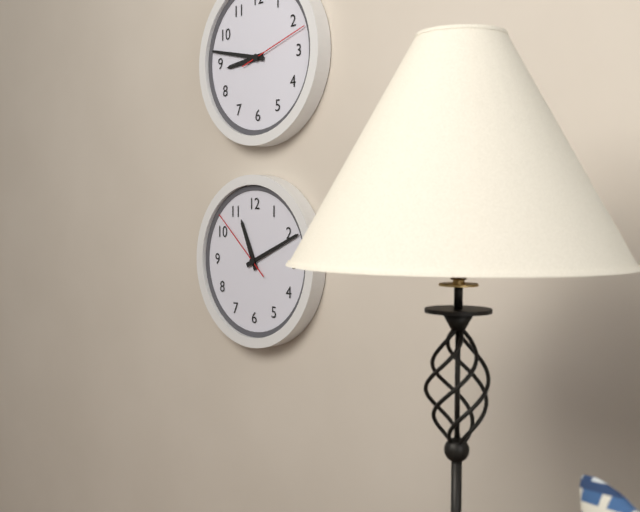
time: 11:11:52
